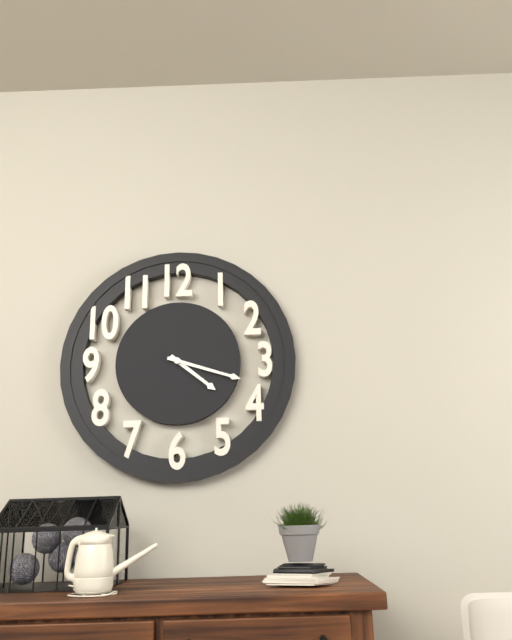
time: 4:18
